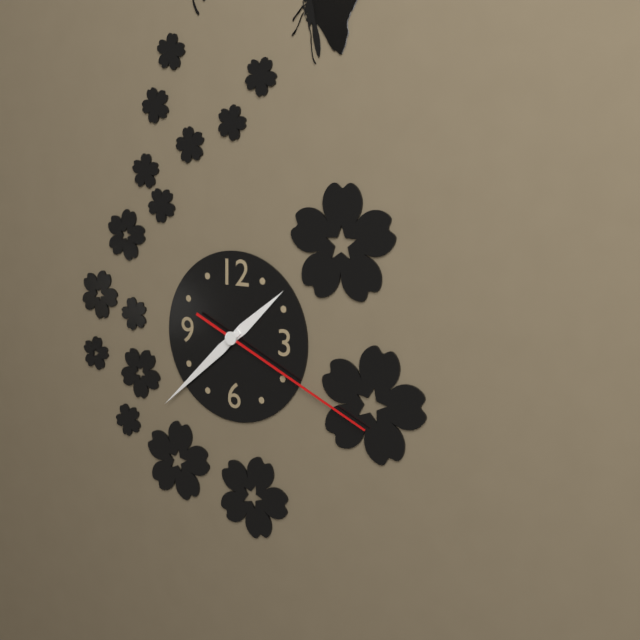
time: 1:38:19
